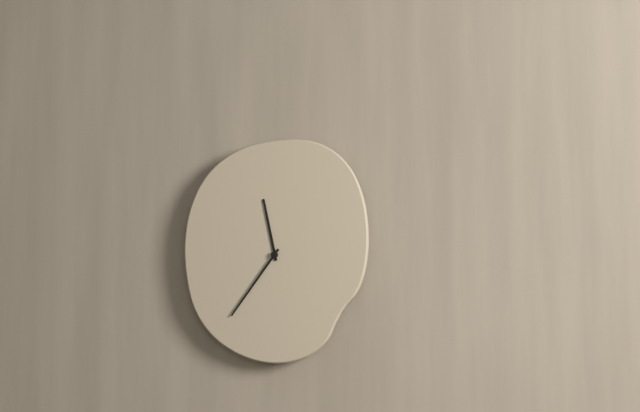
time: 11:36
